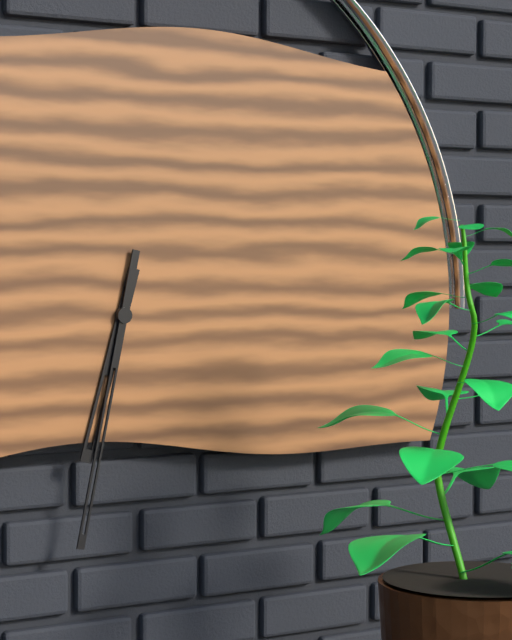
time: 6:32
